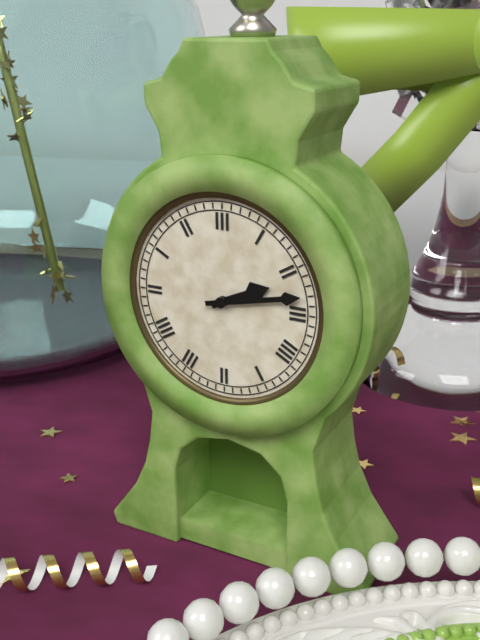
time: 2:13
